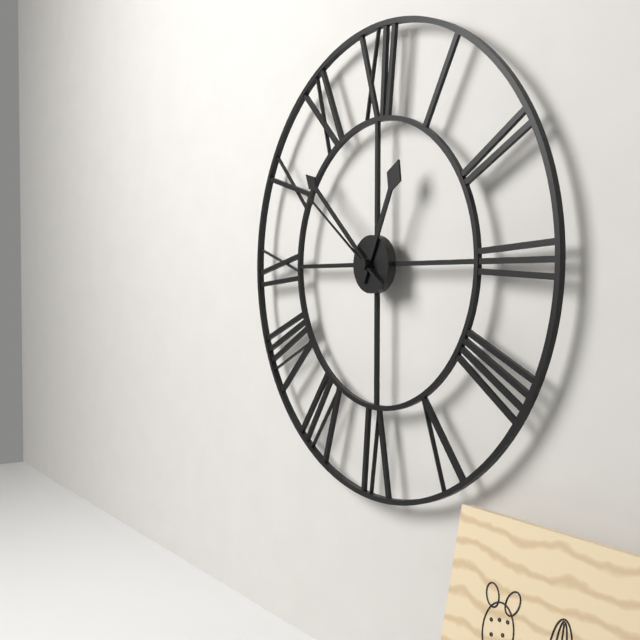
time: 12:52:51
